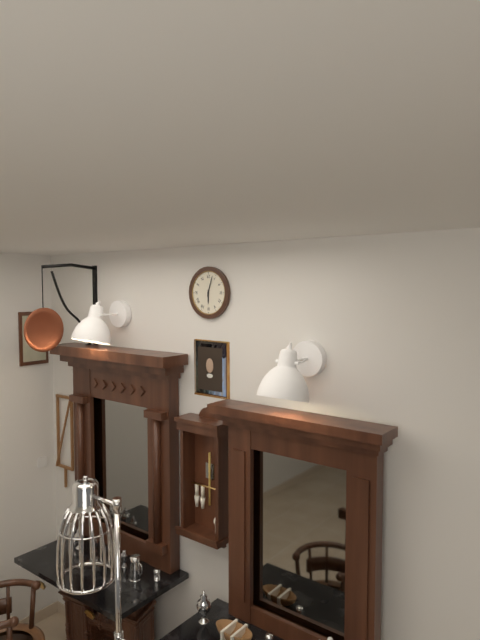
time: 6:03
